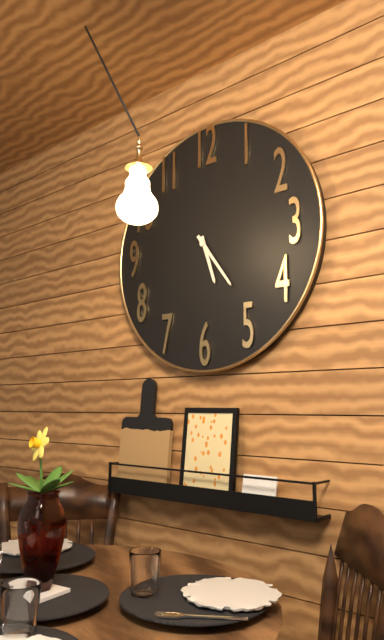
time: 5:24
